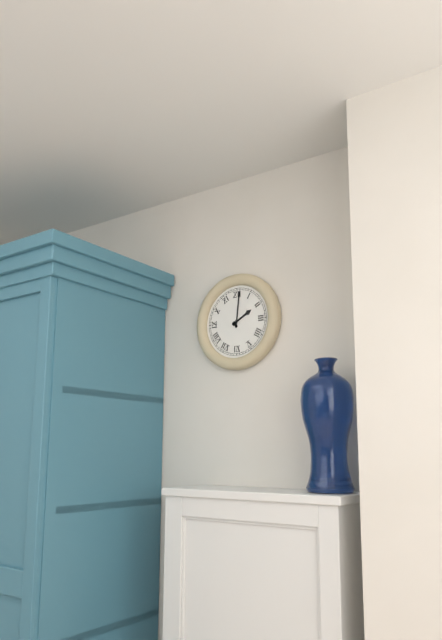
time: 2:01
